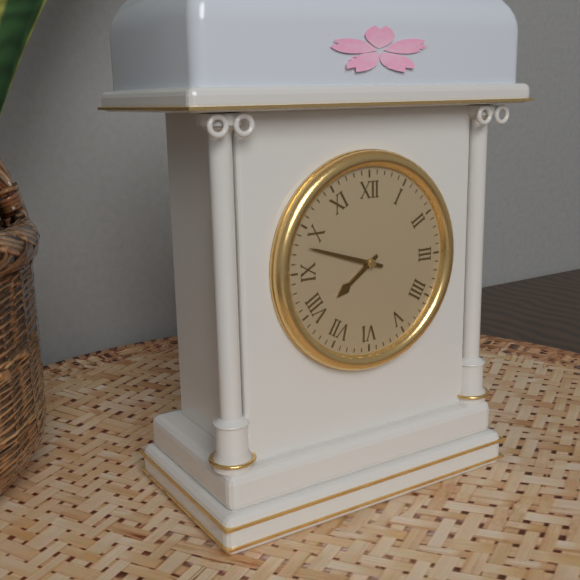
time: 7:48
